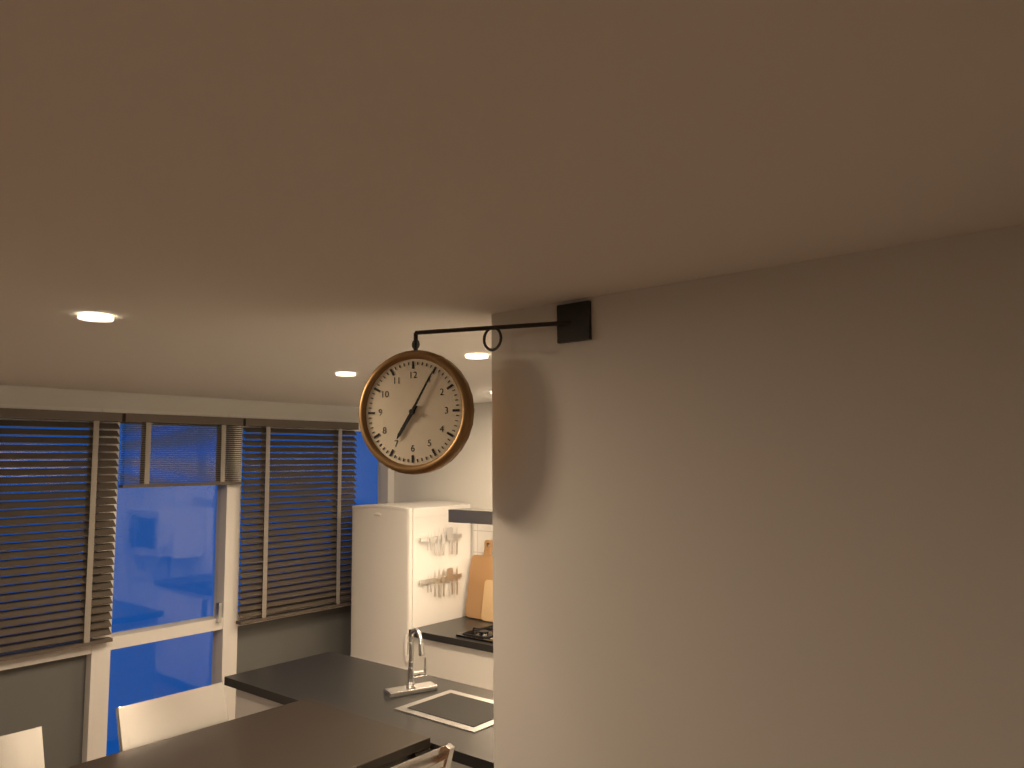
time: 7:05
